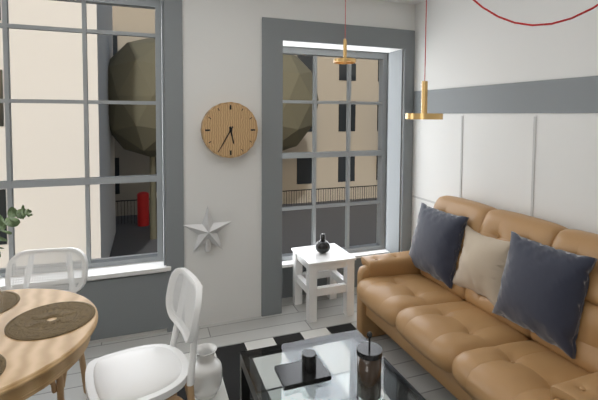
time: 5:35
